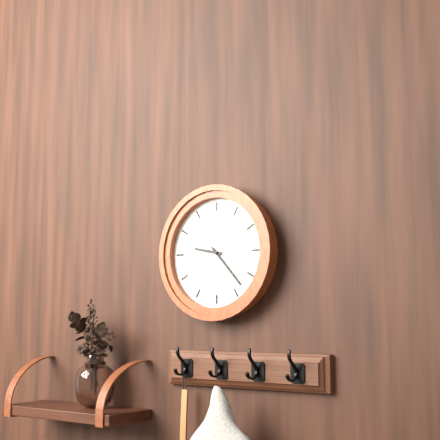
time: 9:23:39
